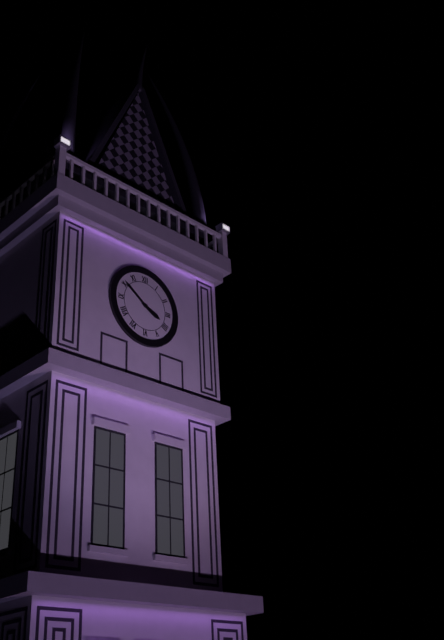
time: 3:51
